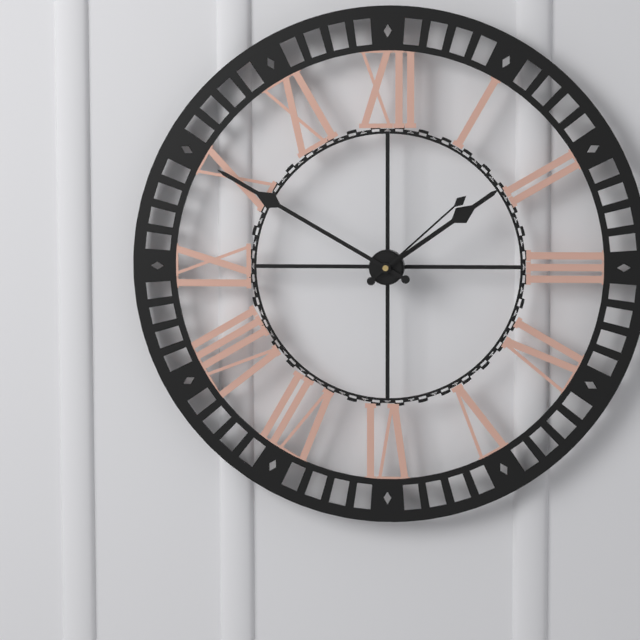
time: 1:50:08
